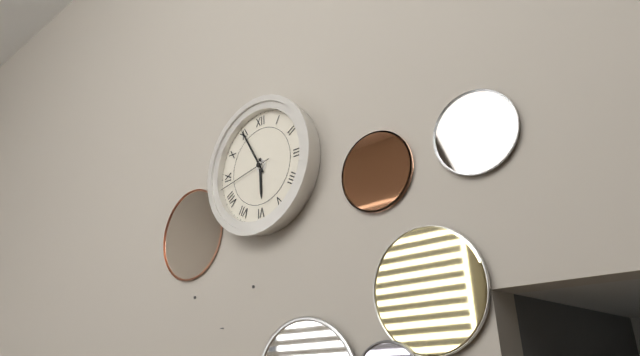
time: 5:55:43
